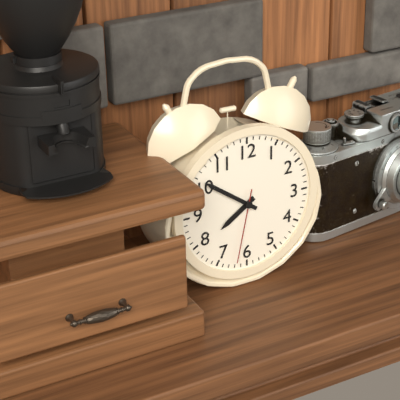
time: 7:51:32
